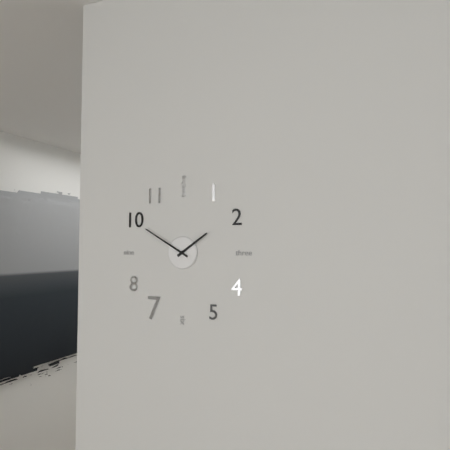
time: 1:50
